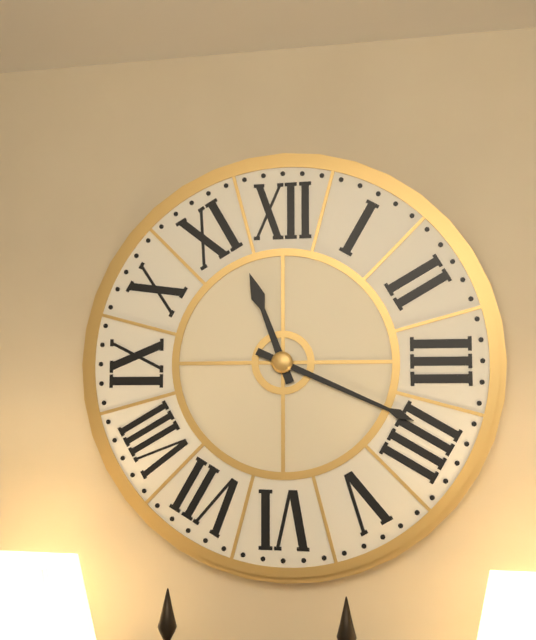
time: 11:19
